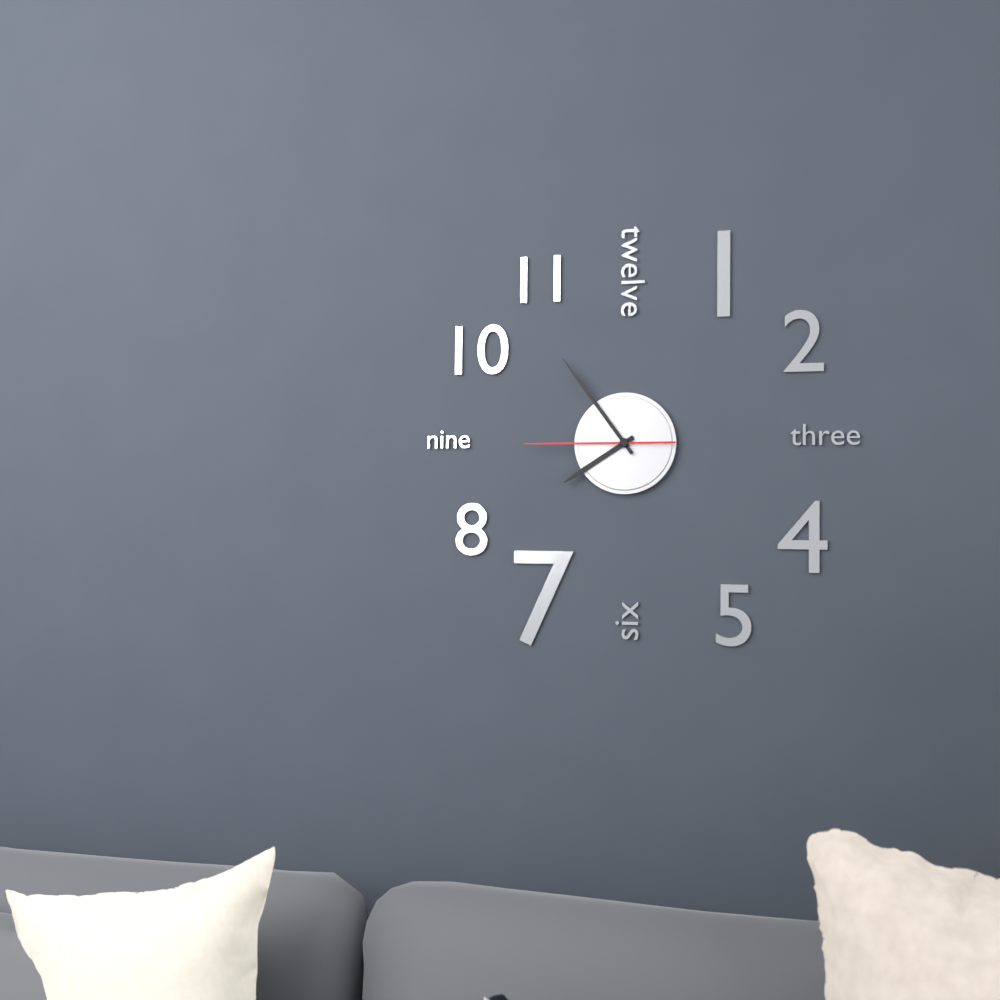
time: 7:54:45
